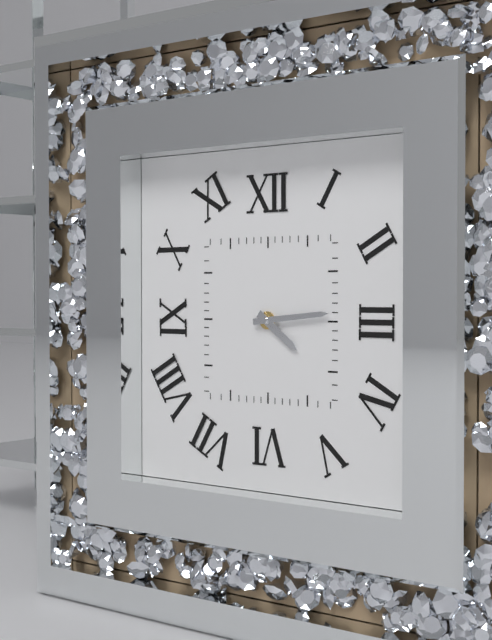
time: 4:14
